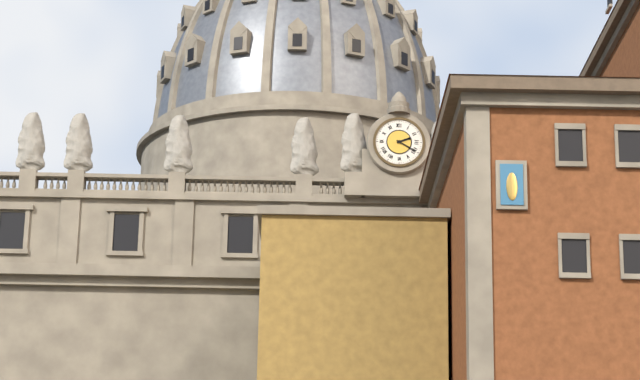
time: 2:20
